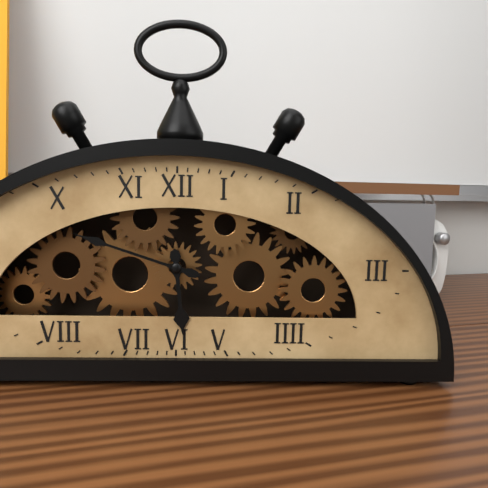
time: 5:48
